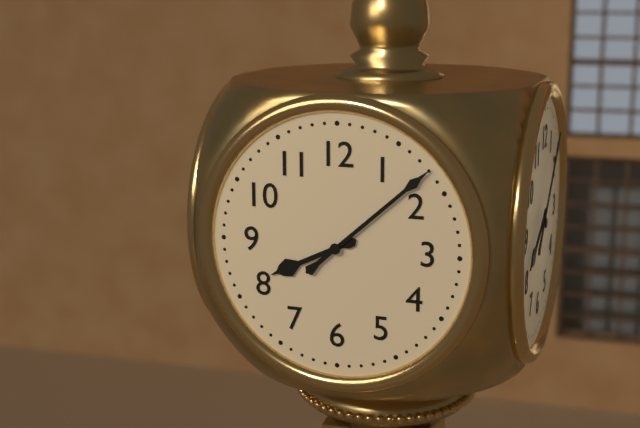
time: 8:08
